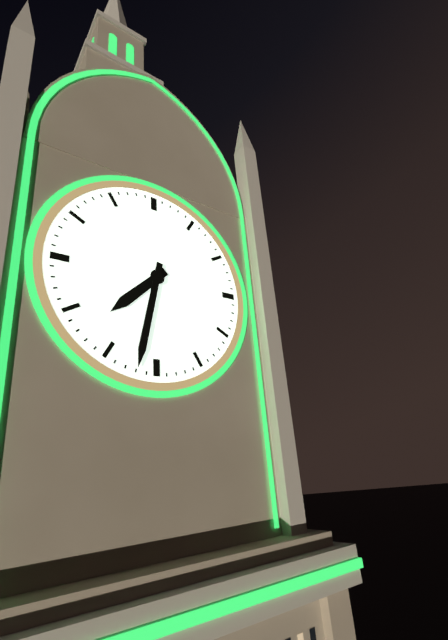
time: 7:32
